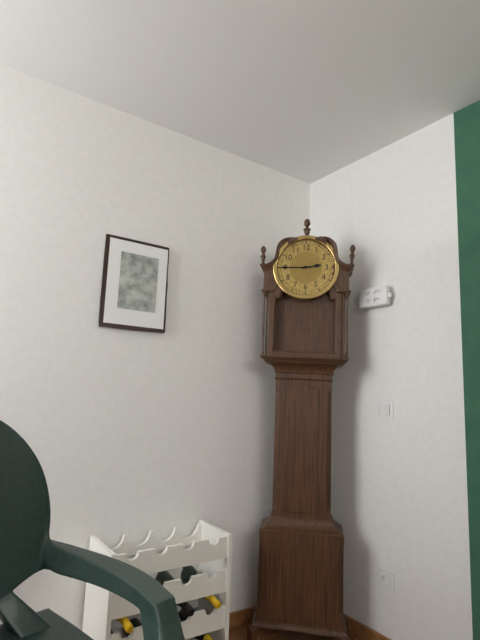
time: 2:45
